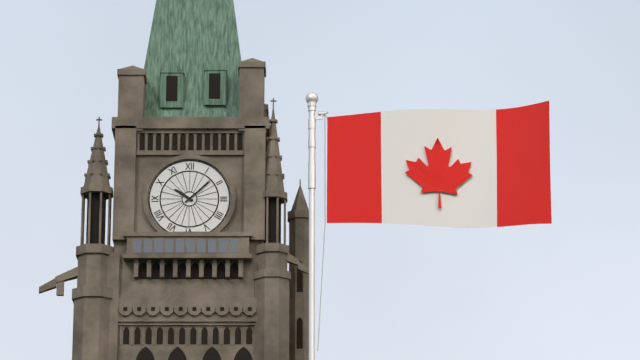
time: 10:08
